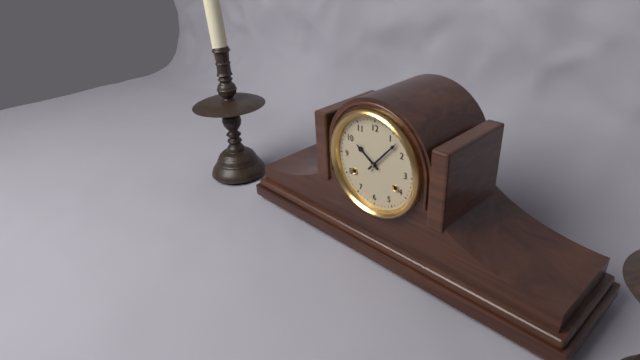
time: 10:07
